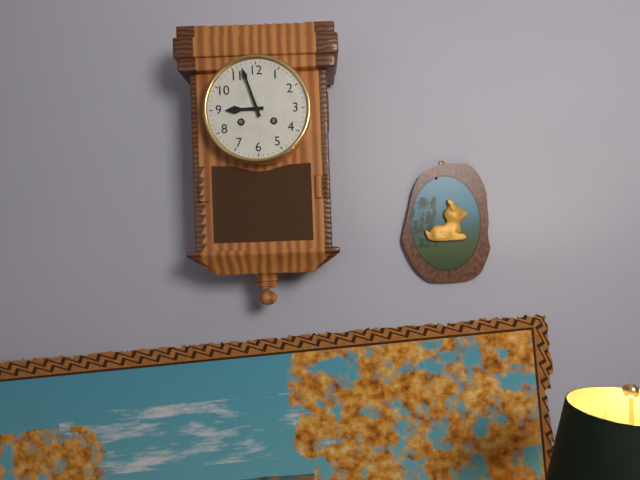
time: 8:57
